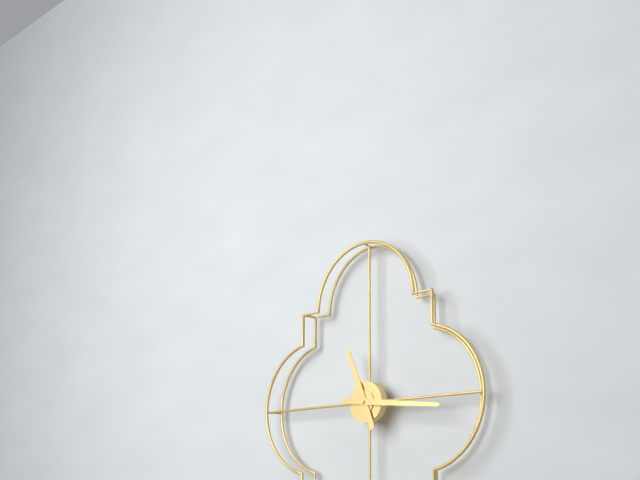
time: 11:16
